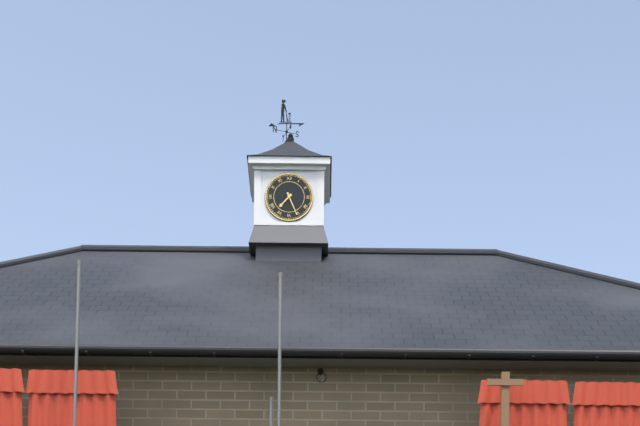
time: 7:26
